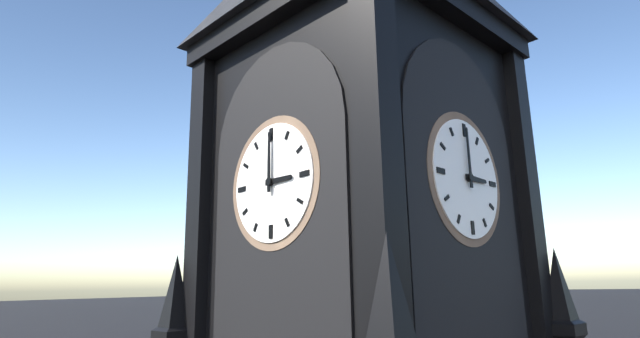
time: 3:00
